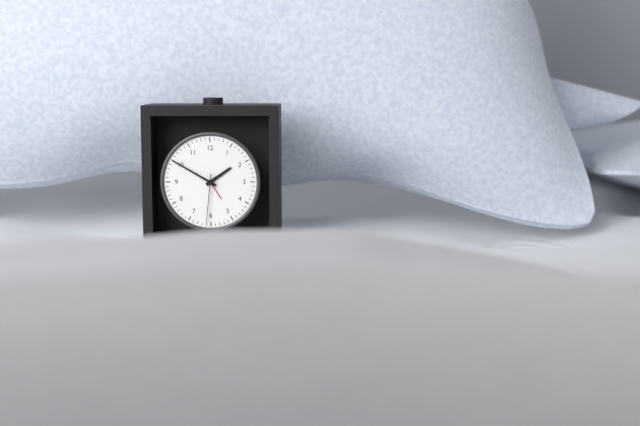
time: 1:50:31
